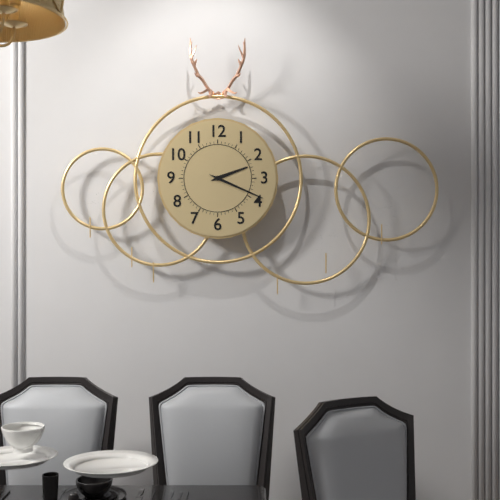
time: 2:19
